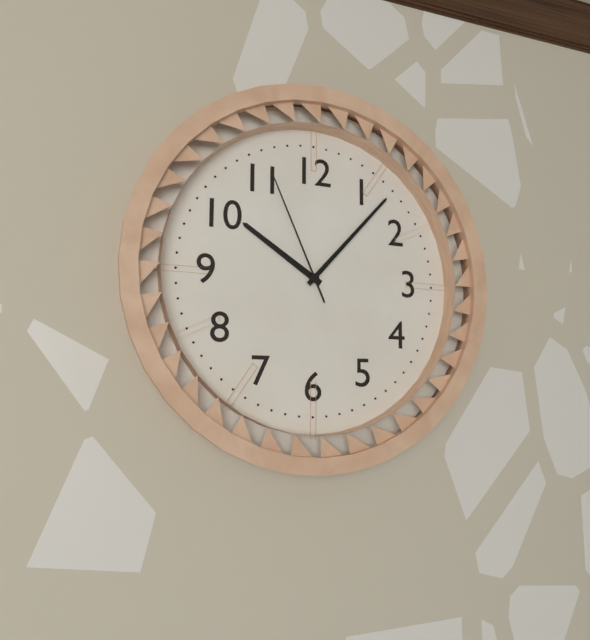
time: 10:07:56
